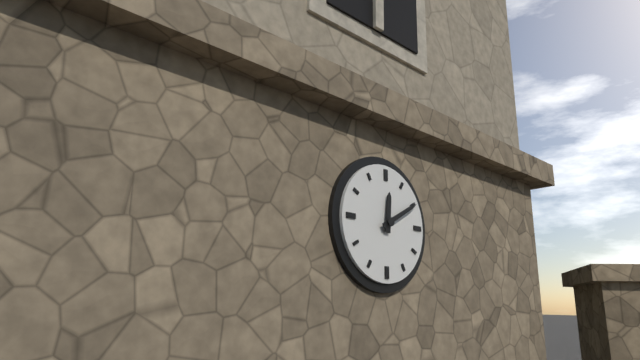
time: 12:10
